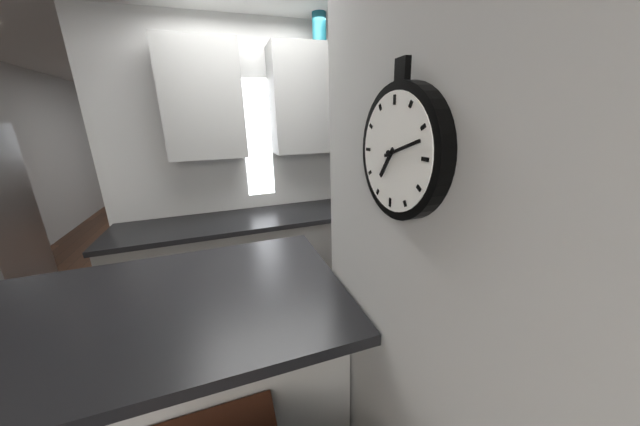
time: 7:12
